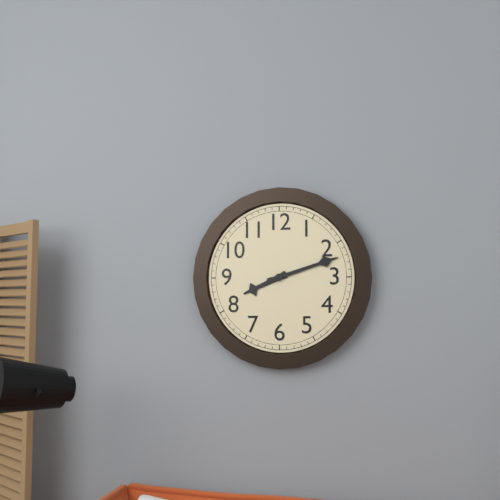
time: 8:12
